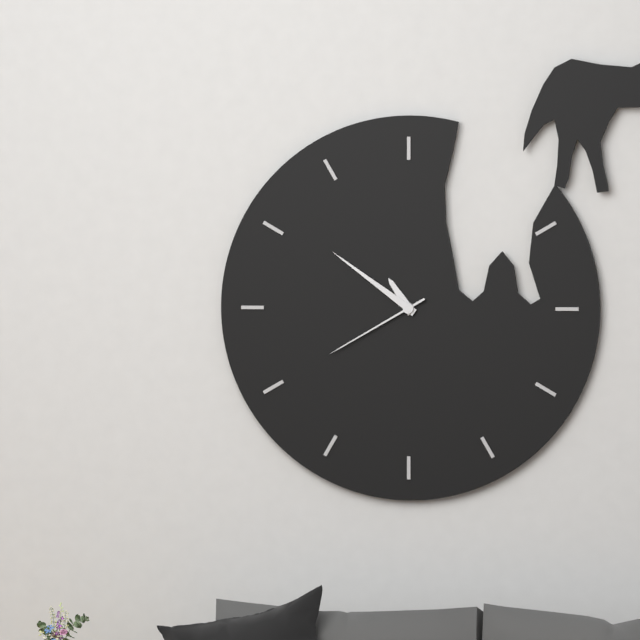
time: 10:51:40
